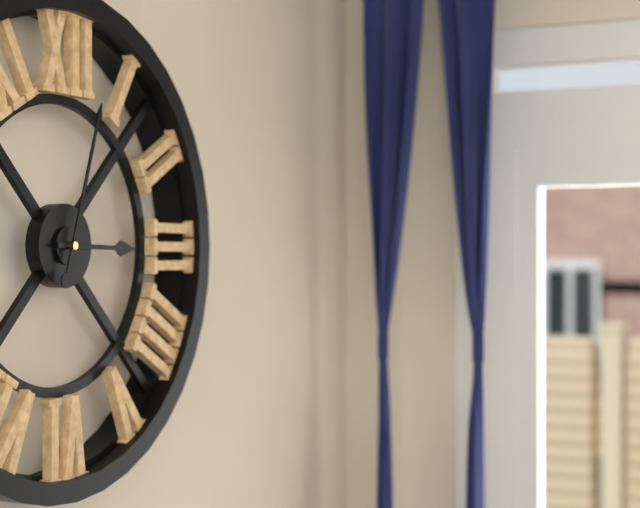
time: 3:03
